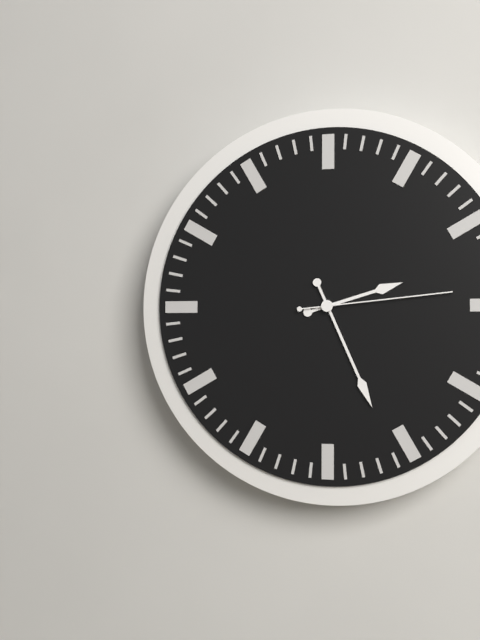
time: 2:26:14
